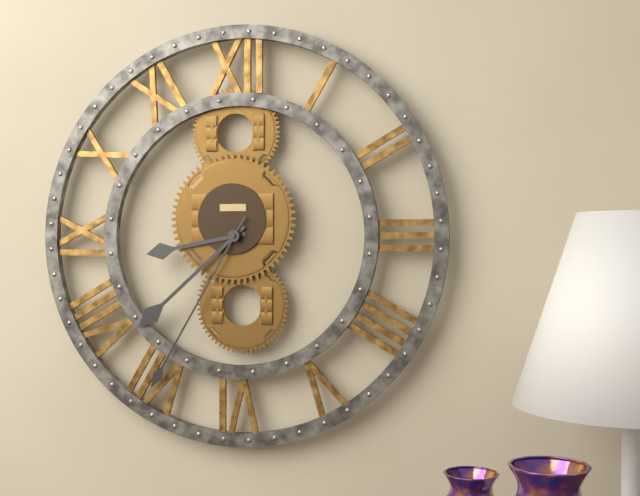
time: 8:38:35
